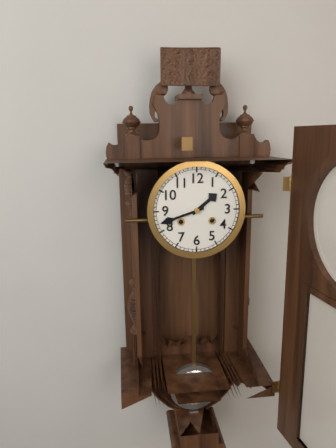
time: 1:42
